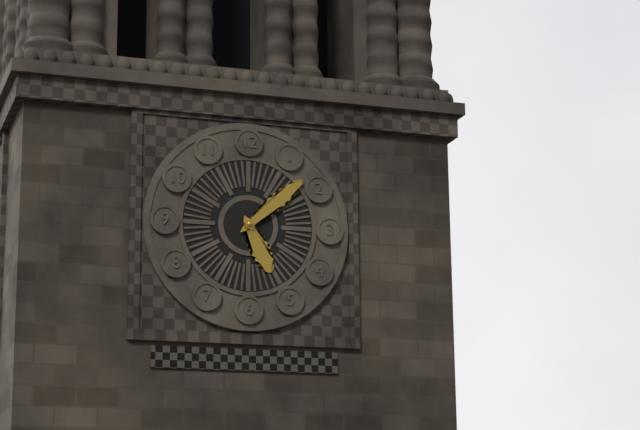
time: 5:08
